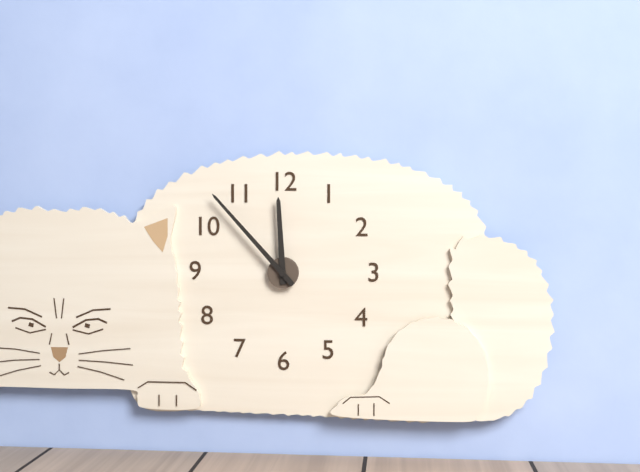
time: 11:53
